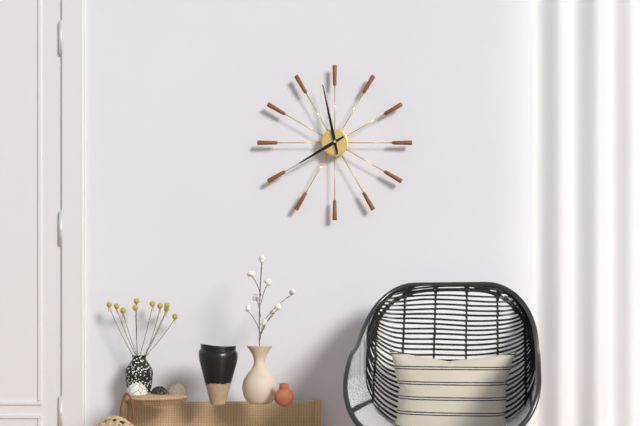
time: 7:58
